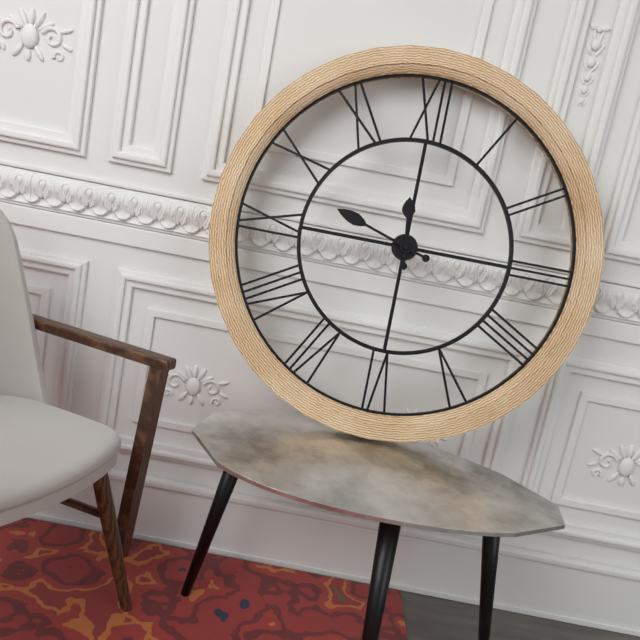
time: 11:48
